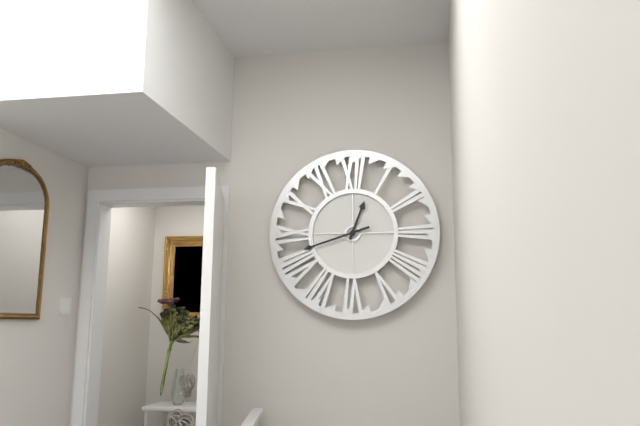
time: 12:42
